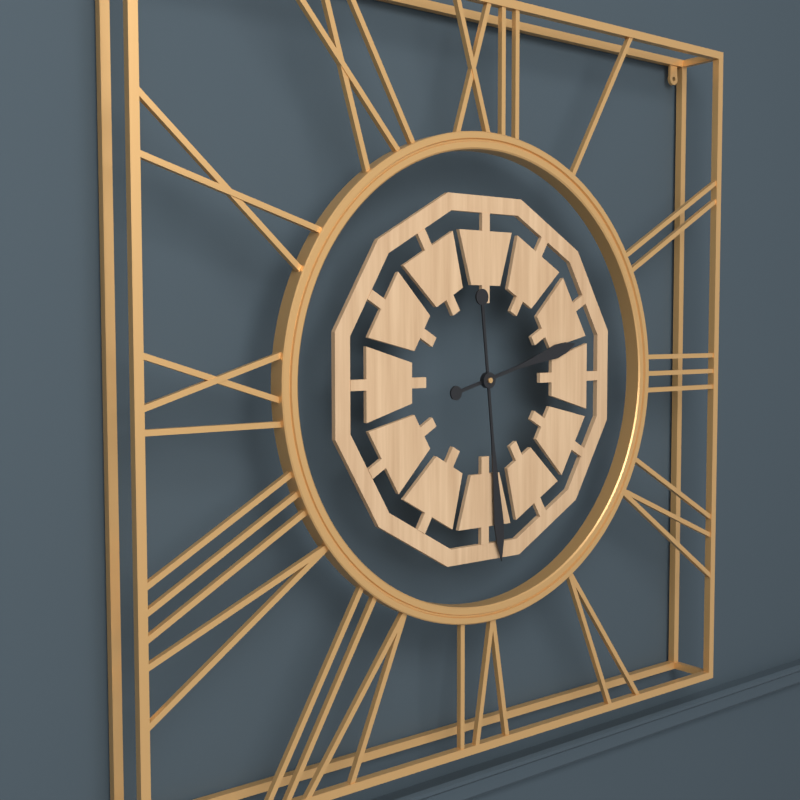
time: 2:29
